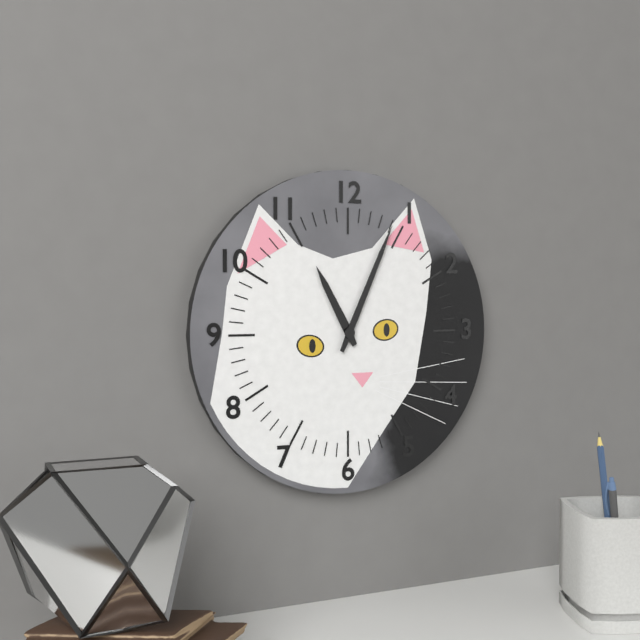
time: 11:04
